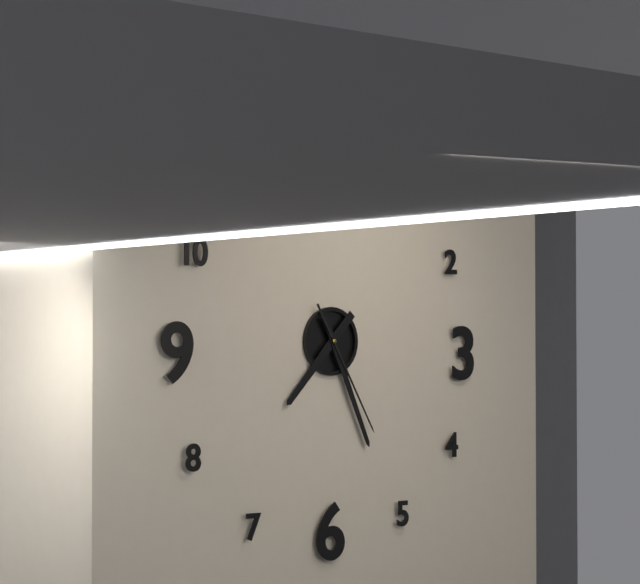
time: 7:26:25
